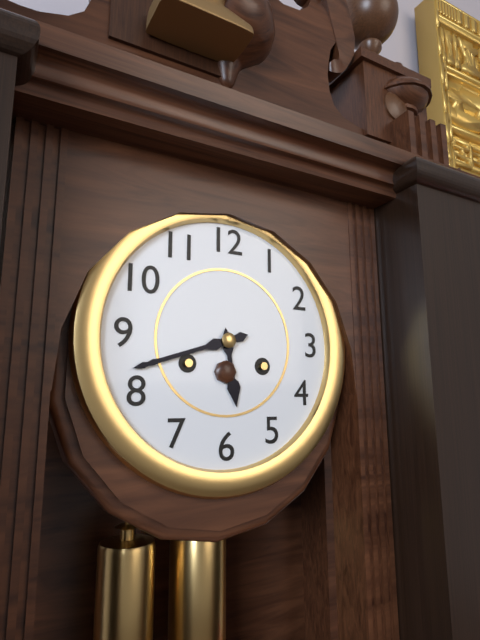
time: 5:42
